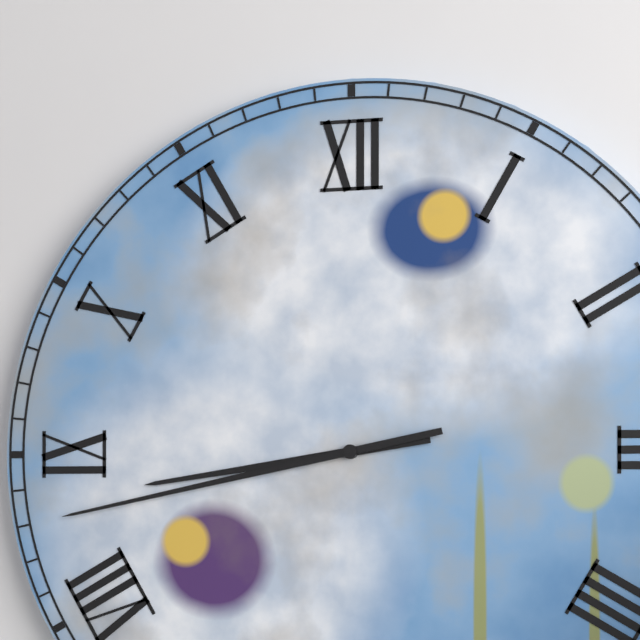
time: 8:43
